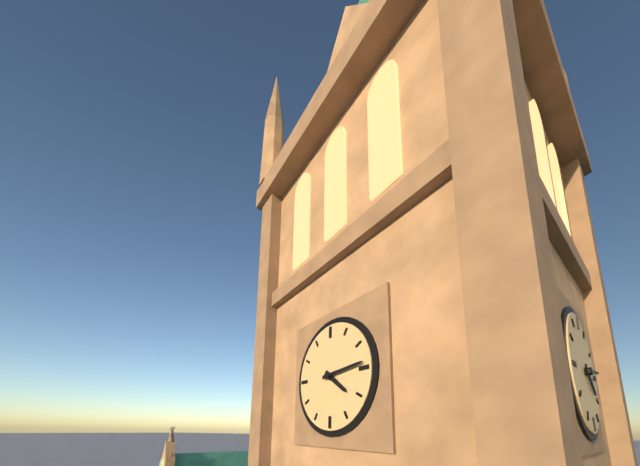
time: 4:14
